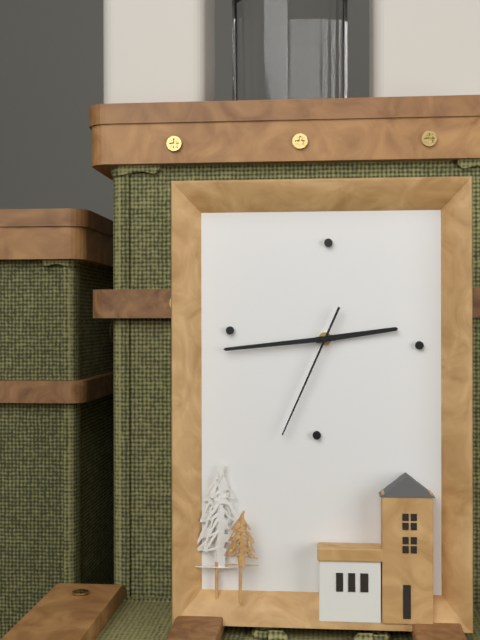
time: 2:44:34
